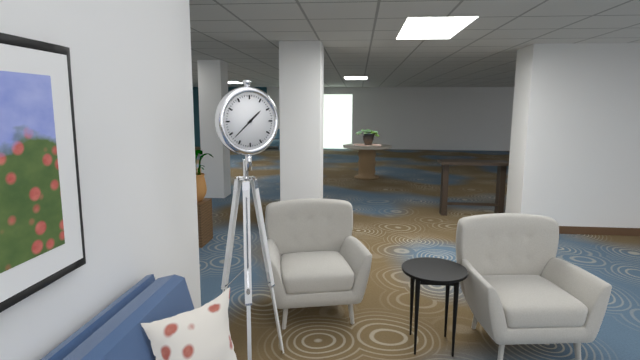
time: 1:38
